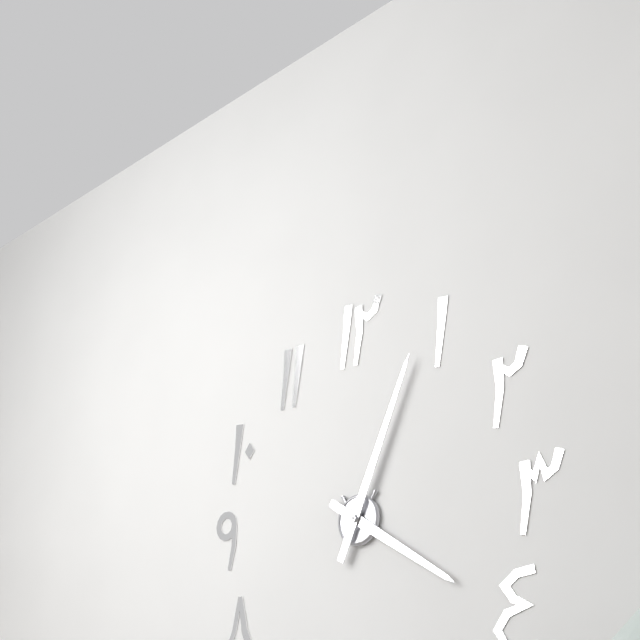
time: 4:04
